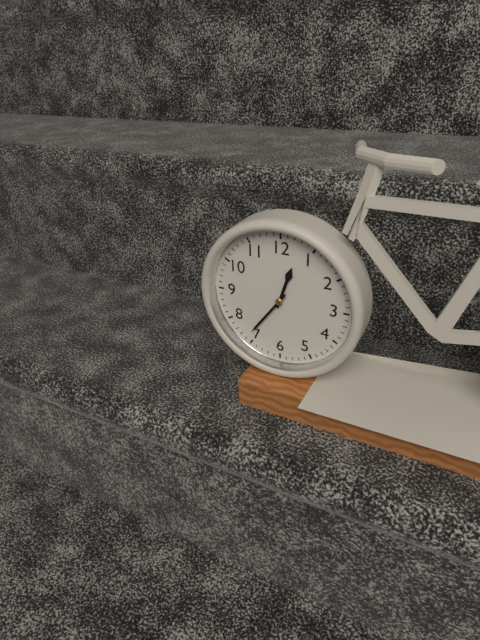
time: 12:36
